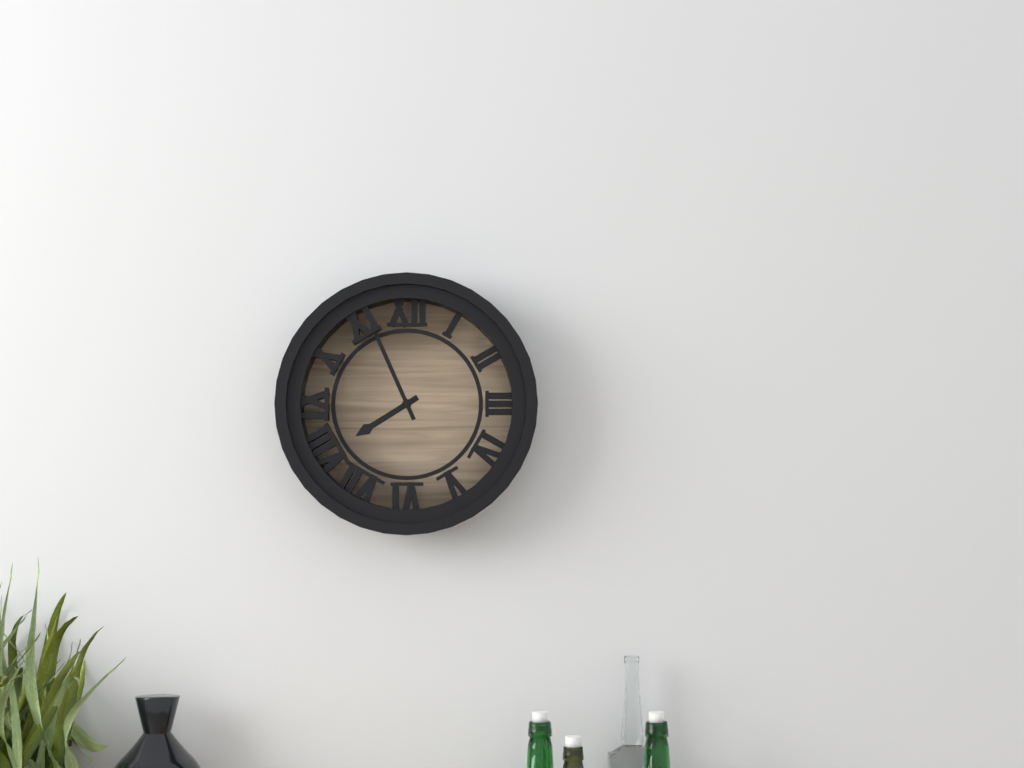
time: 7:56
